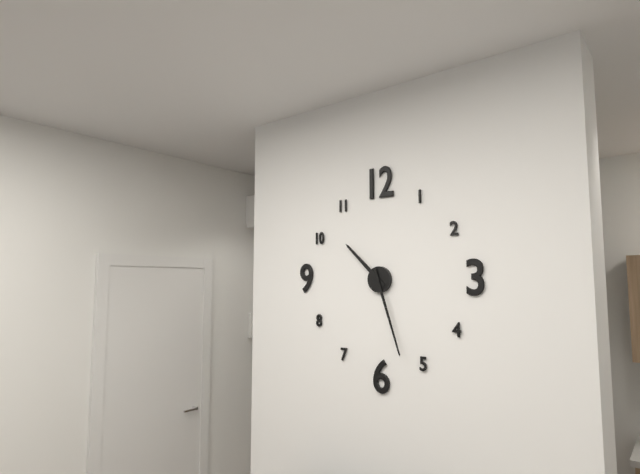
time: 10:27
